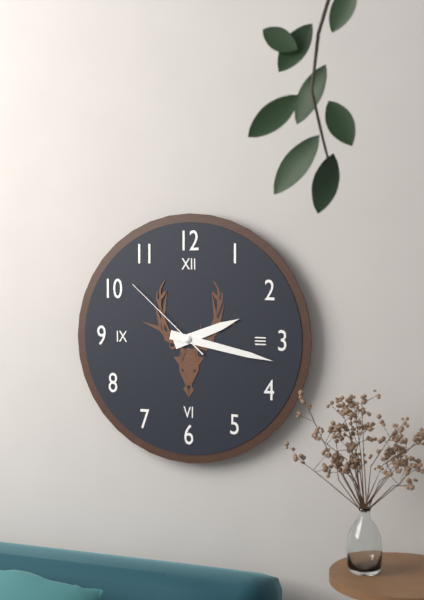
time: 2:17:52
